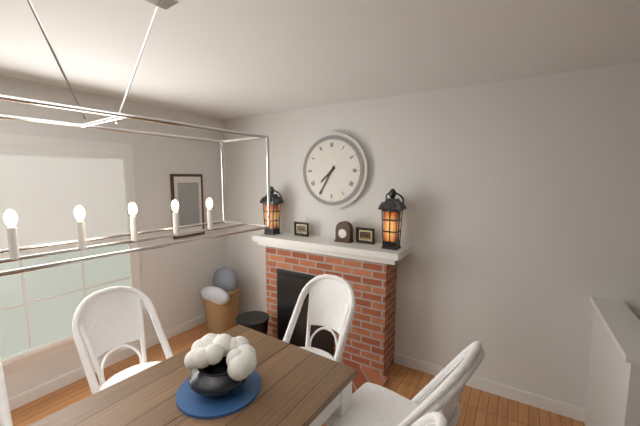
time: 7:35
